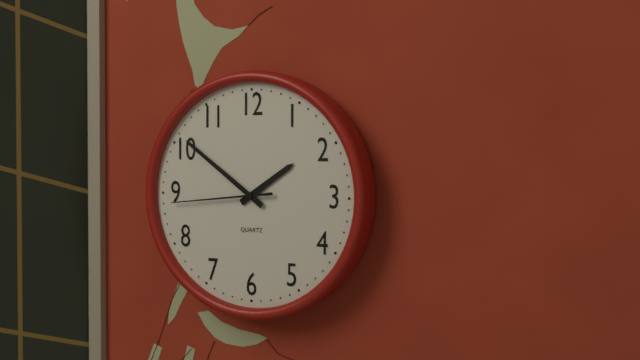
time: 1:51:44
